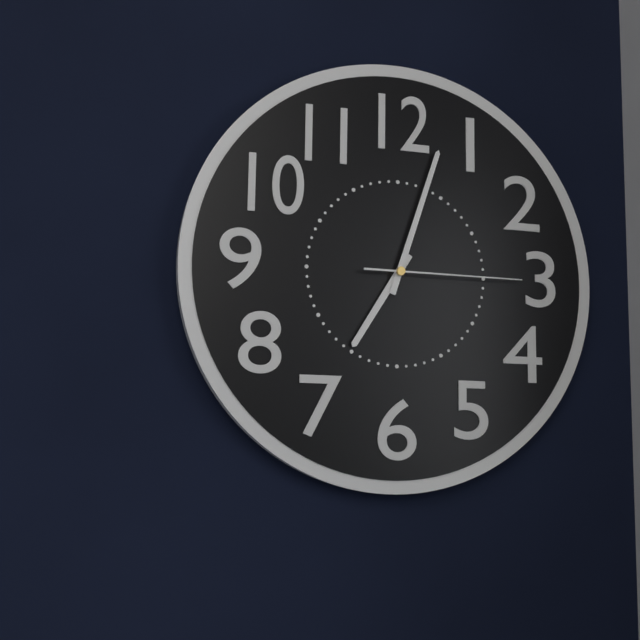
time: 7:03:15
